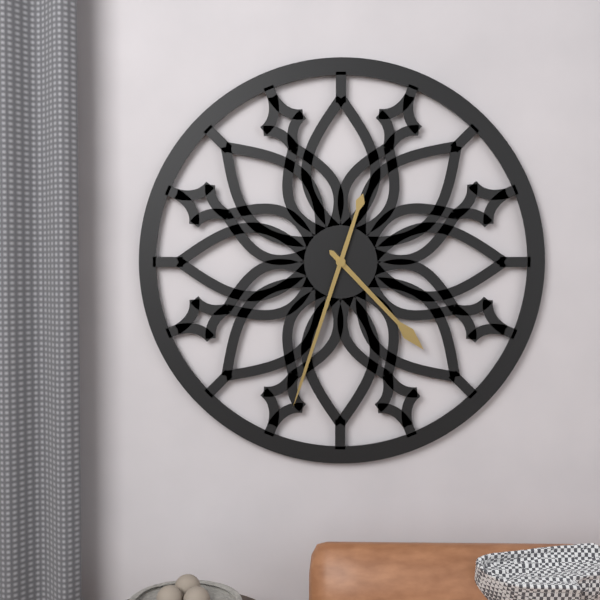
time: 4:33
